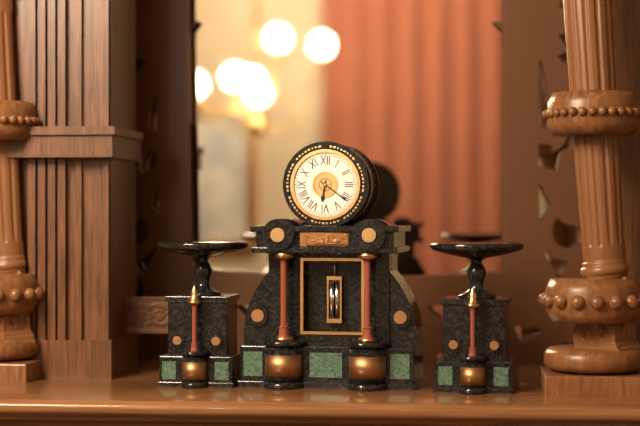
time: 6:21
